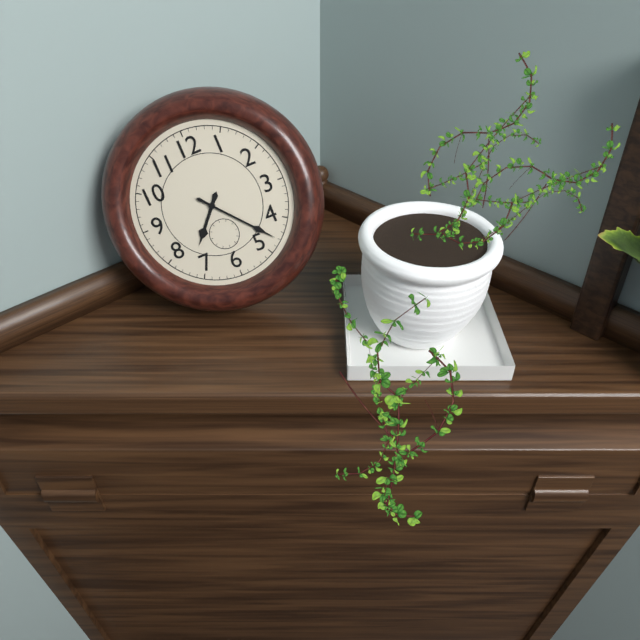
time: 7:23
